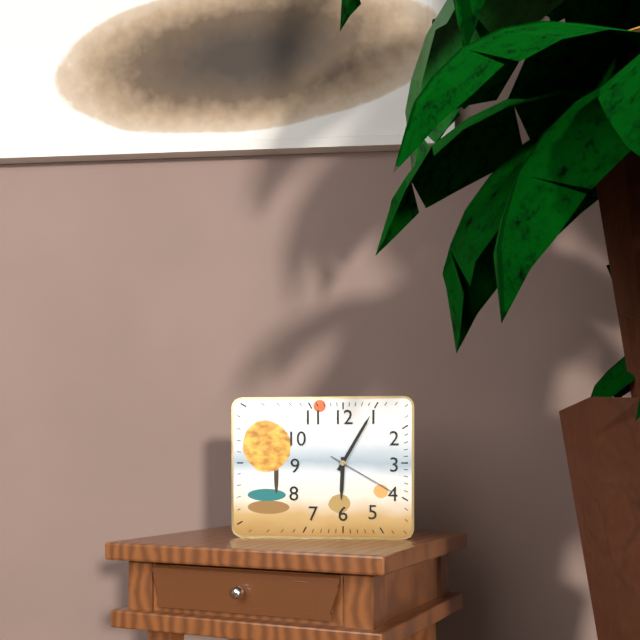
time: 6:05:20
